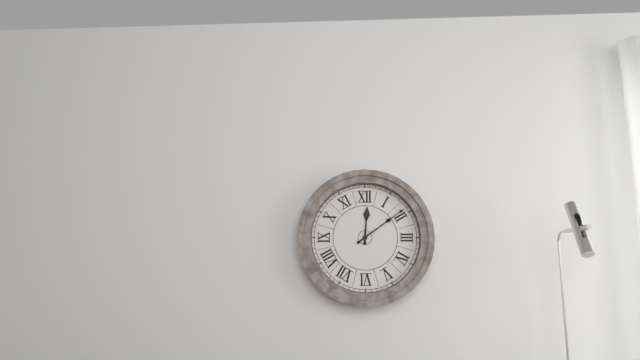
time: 12:09
